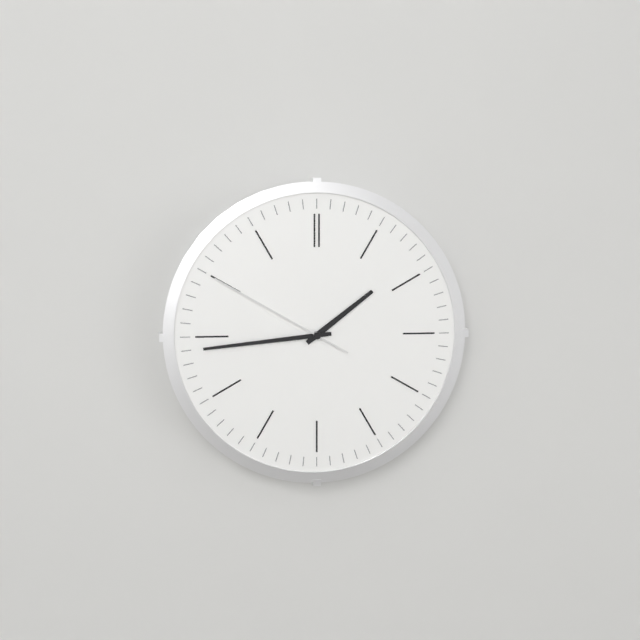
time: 1:44:50
